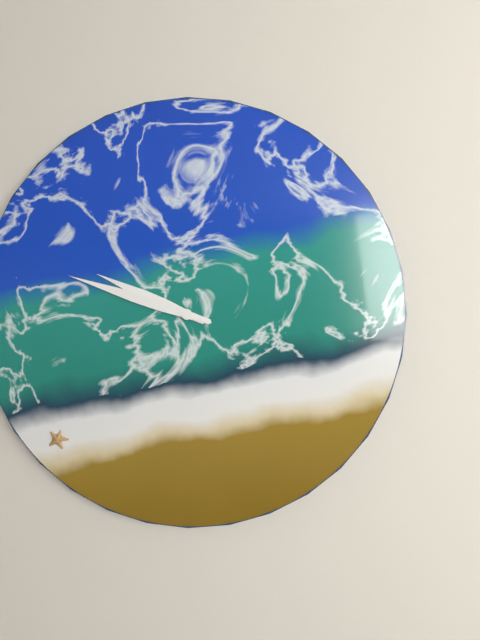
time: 9:48
